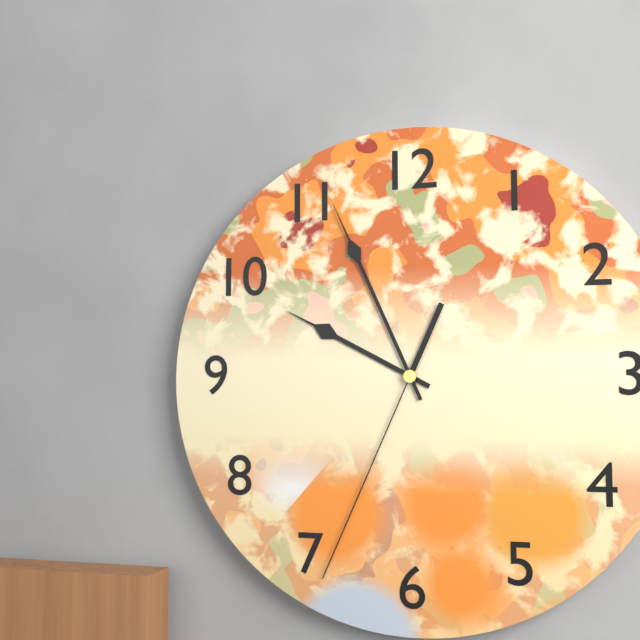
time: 9:56:34
